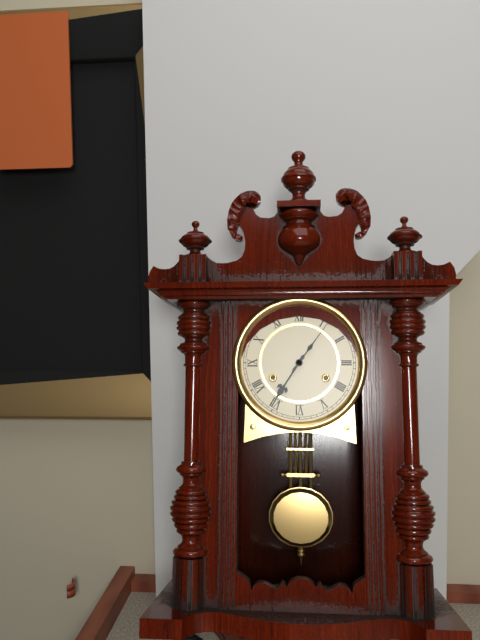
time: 7:06
